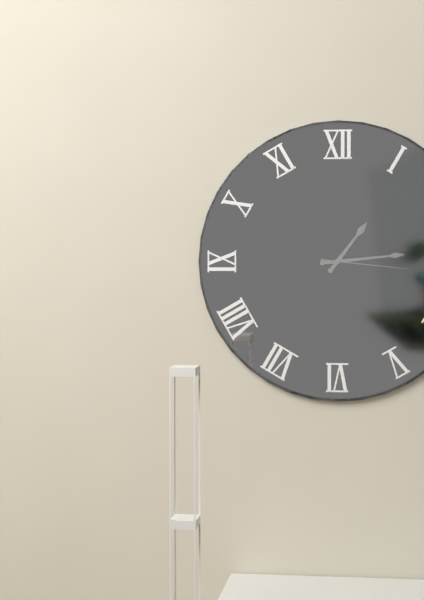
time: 1:14:16
